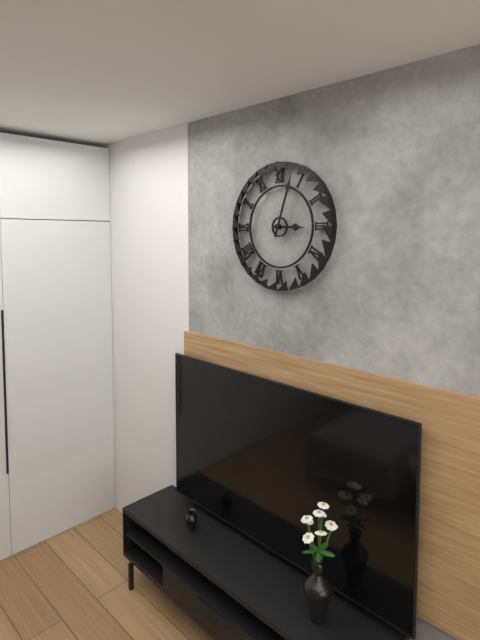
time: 3:03
